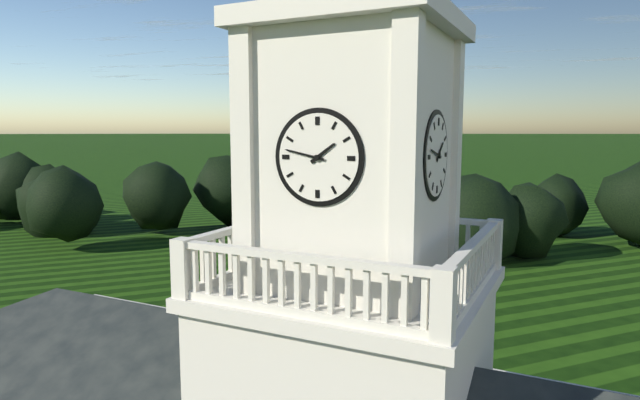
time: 1:47
